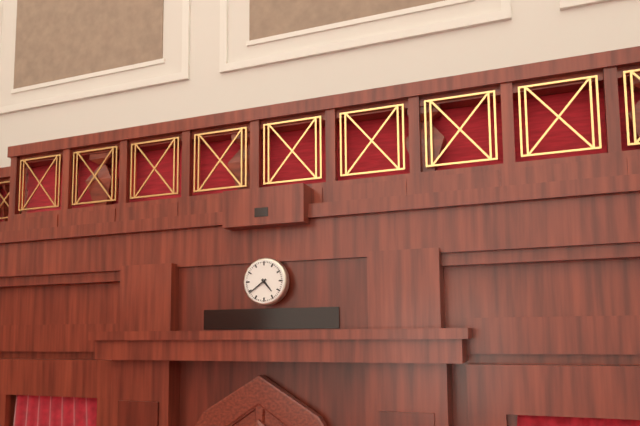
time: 4:39
